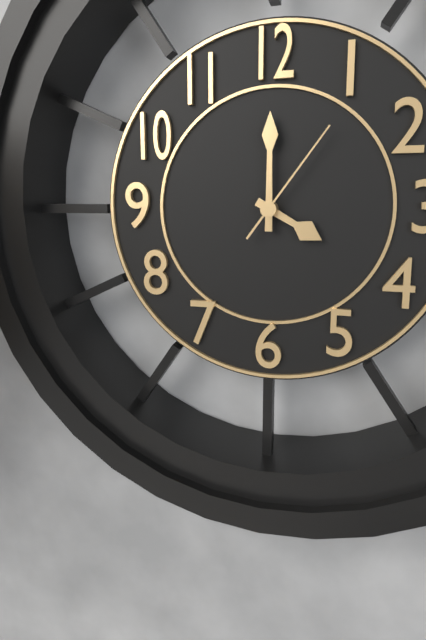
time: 4:00:06
